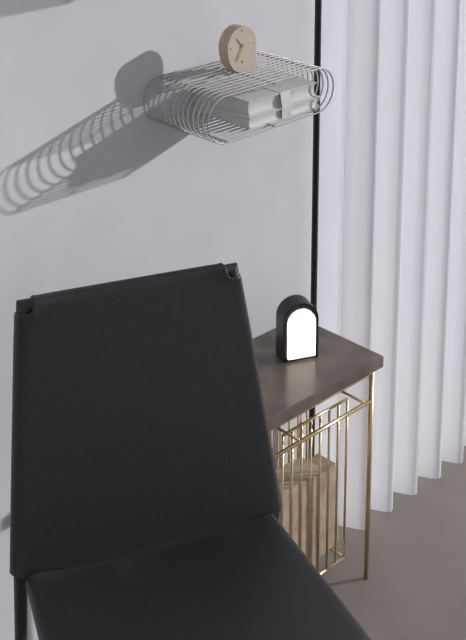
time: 10:35
